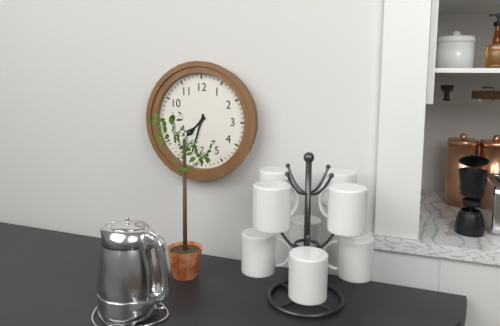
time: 7:33
